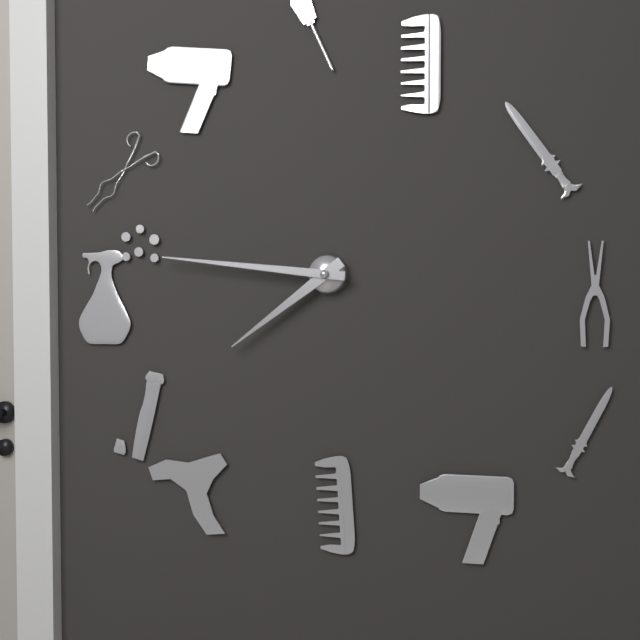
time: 7:46
